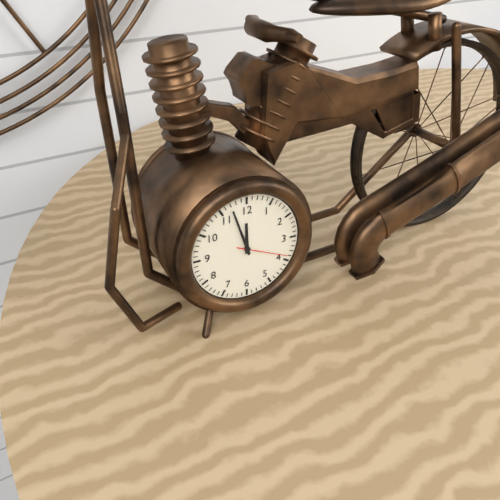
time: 11:57:19
